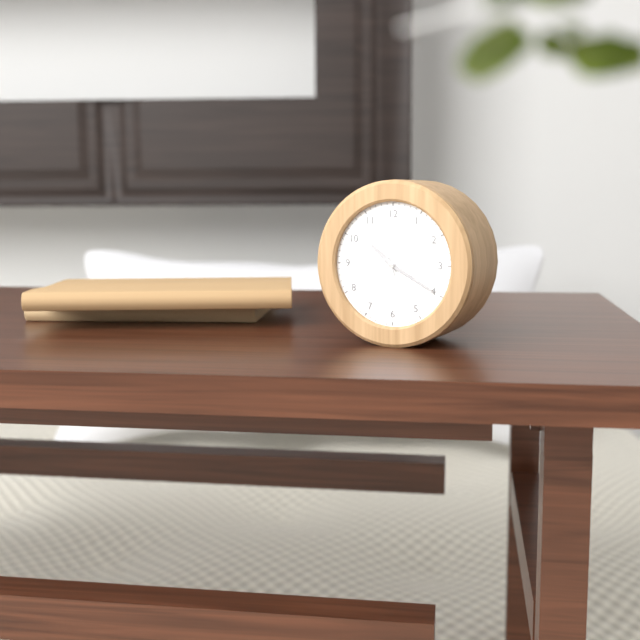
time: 10:20:57
